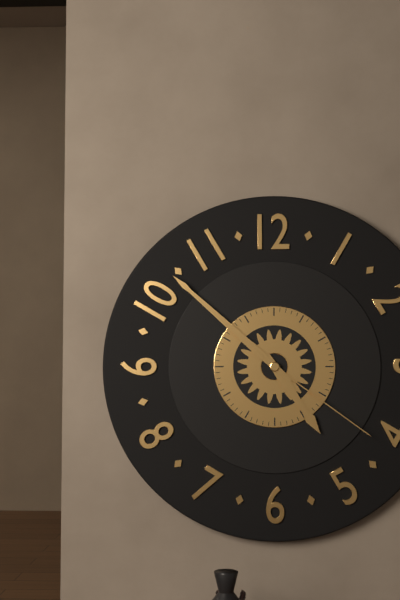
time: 4:52:21
